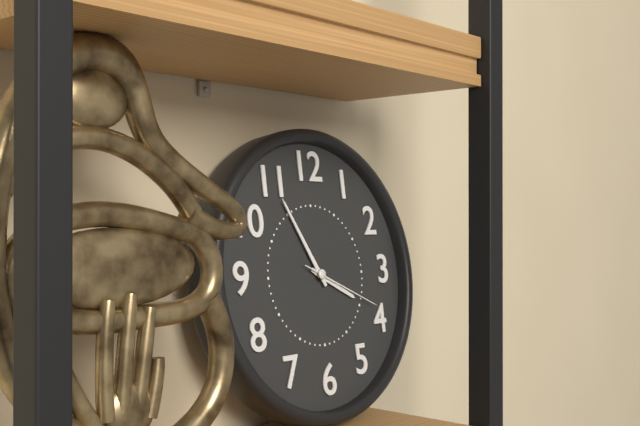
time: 3:55:19
